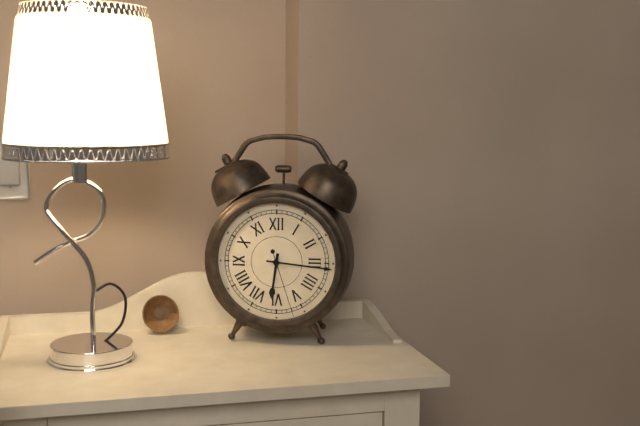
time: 6:16:27
